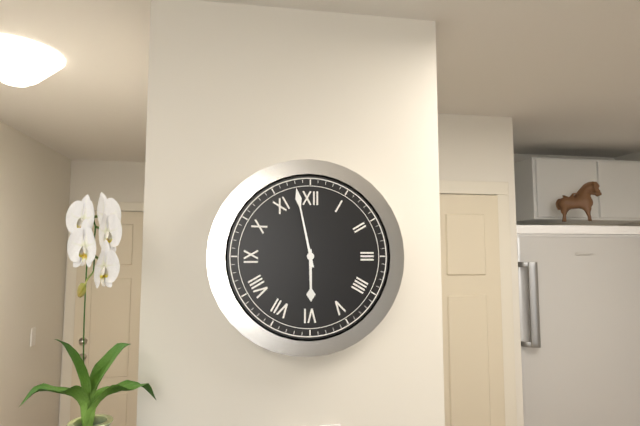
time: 5:58
